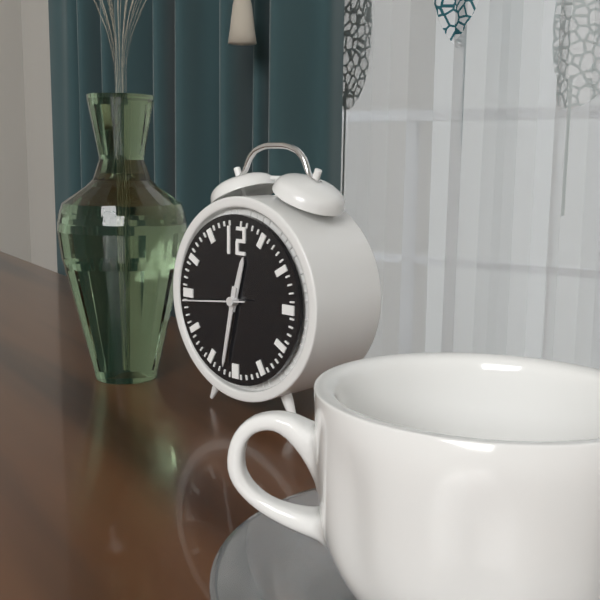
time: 12:32:44
